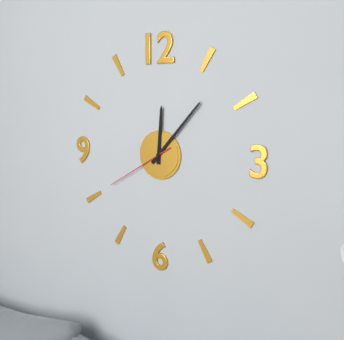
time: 12:07:40
